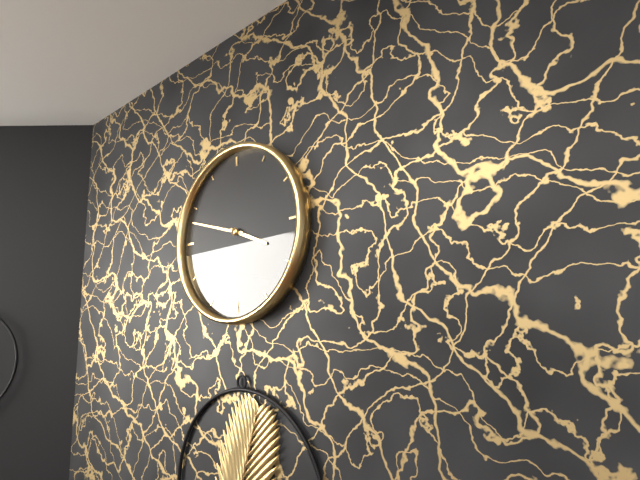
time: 3:48
